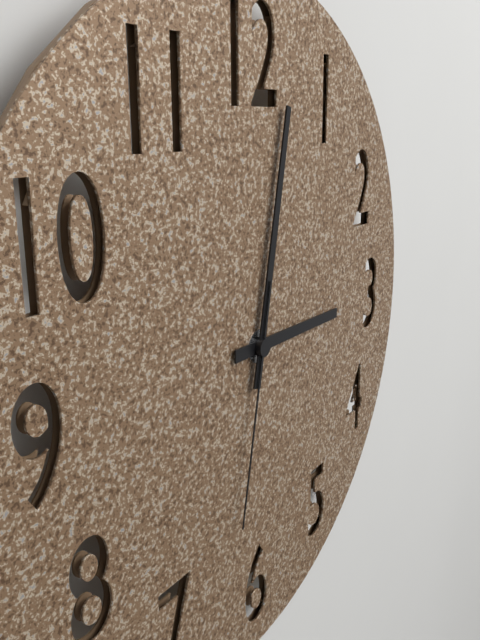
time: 3:02:32
